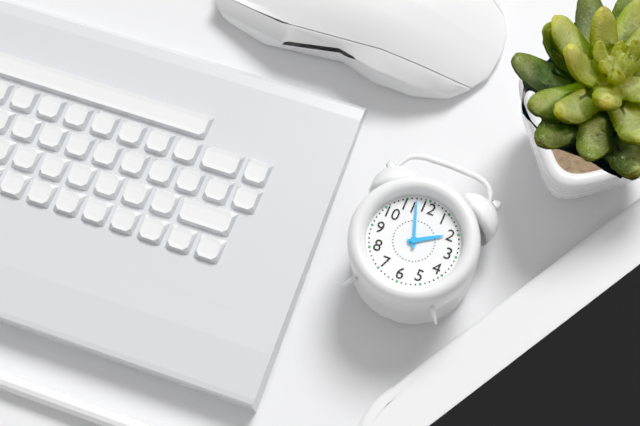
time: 1:57
